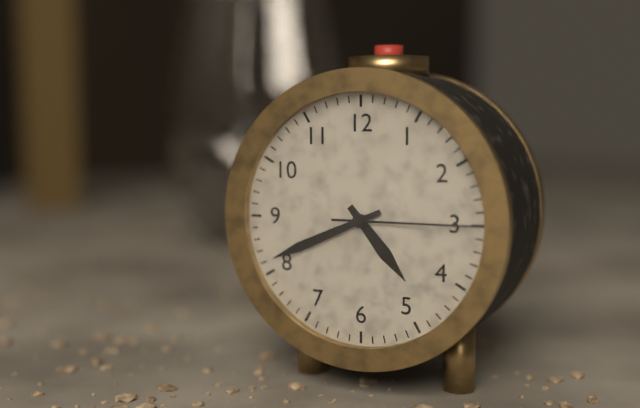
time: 4:41:15
